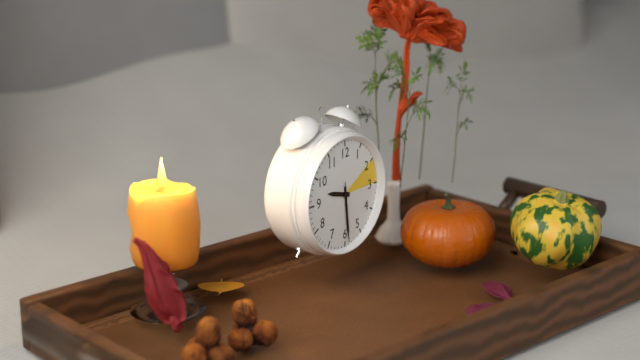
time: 9:29:29
